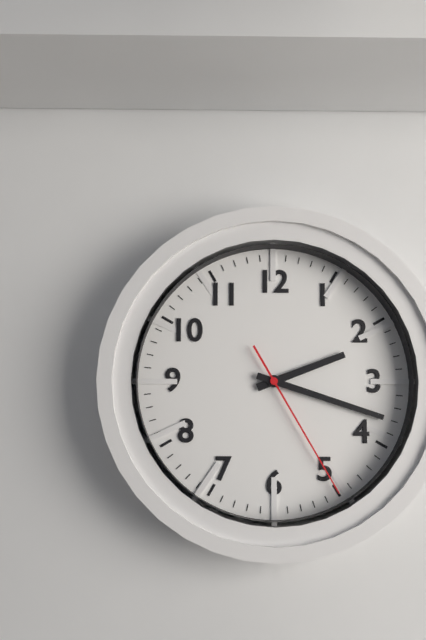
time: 2:18:25
